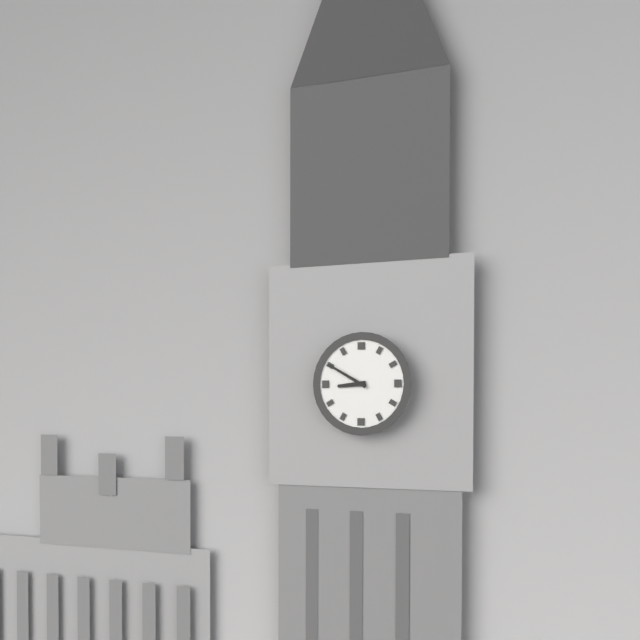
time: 8:50
